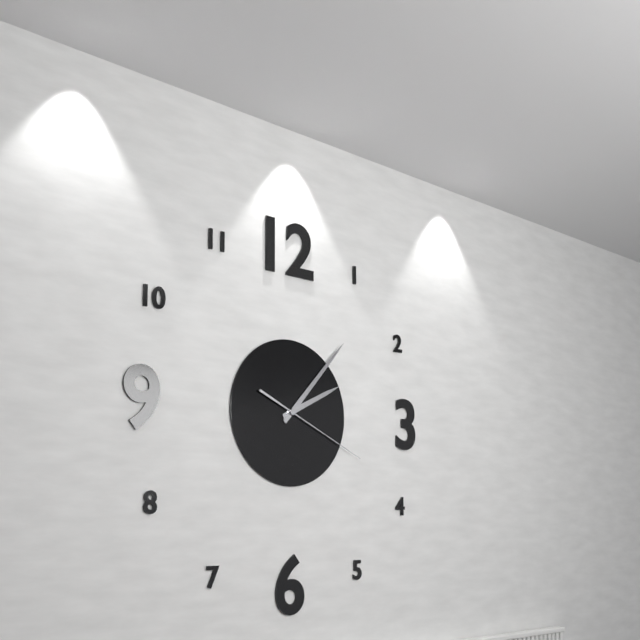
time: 2:07:19
